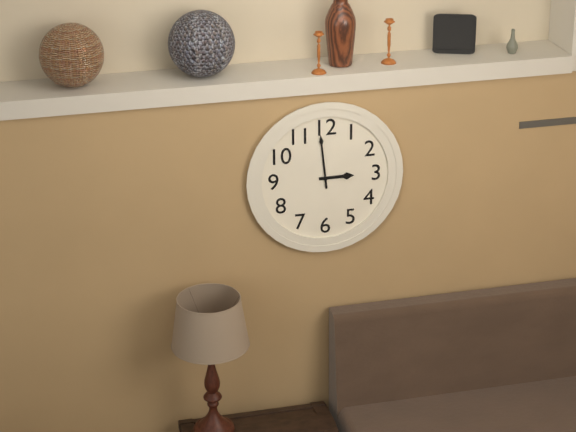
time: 2:59
